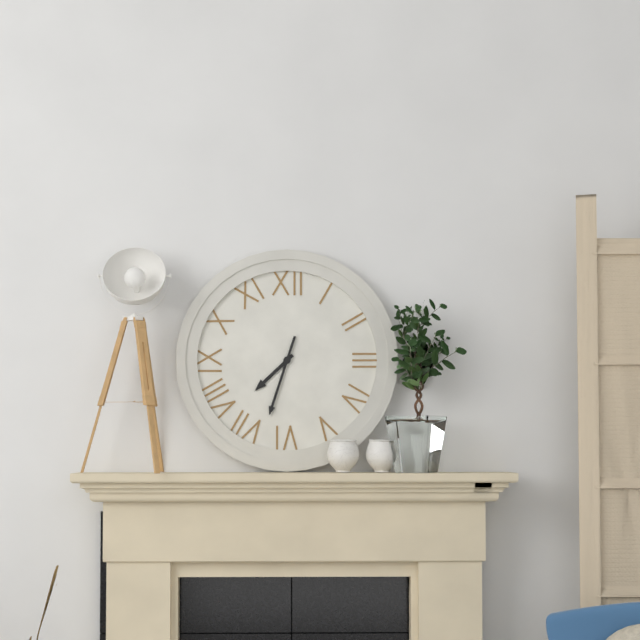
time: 7:33
